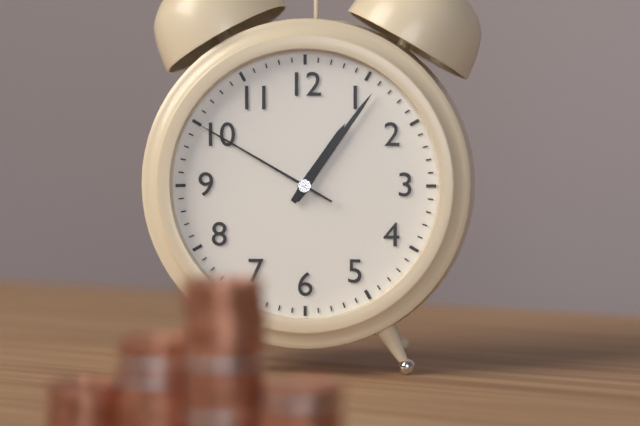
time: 1:06:50
